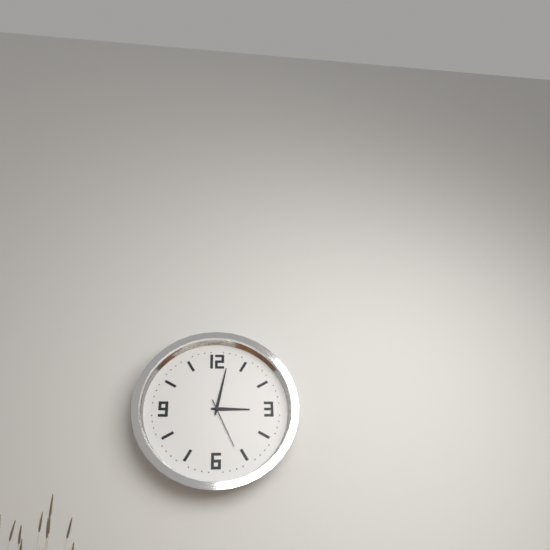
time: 3:02:26
